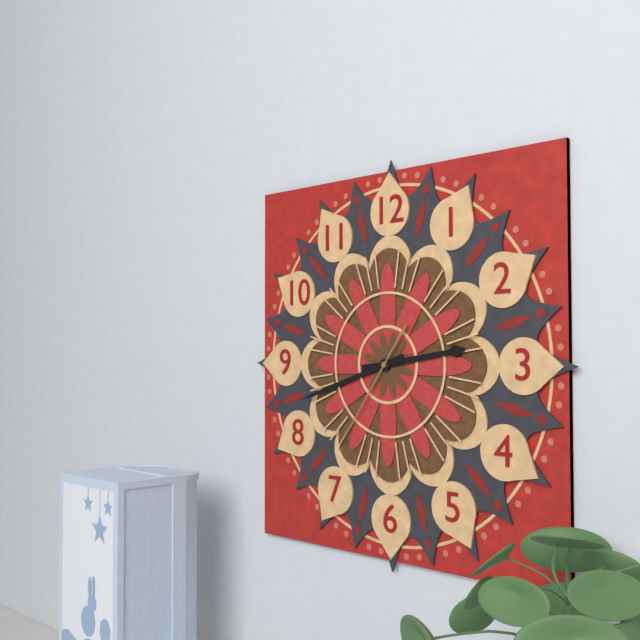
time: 2:42:36
